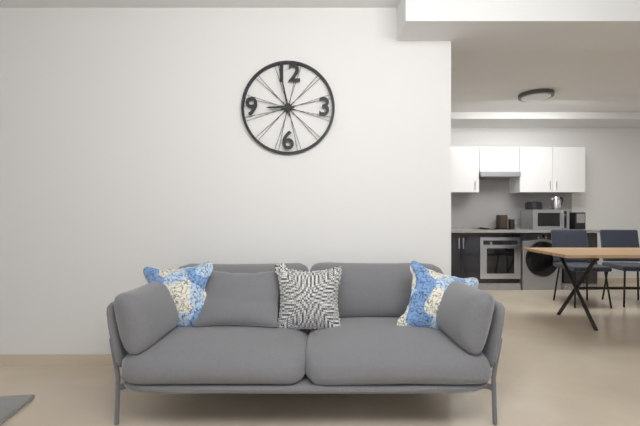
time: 8:58
